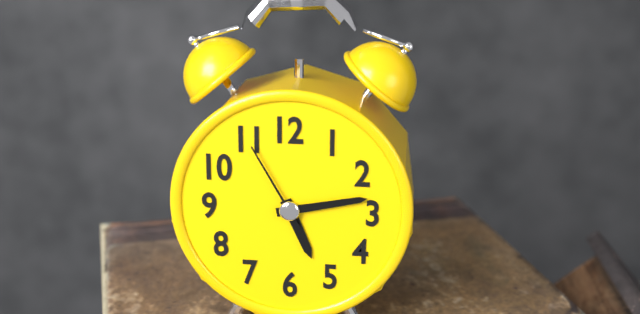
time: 5:13:55
